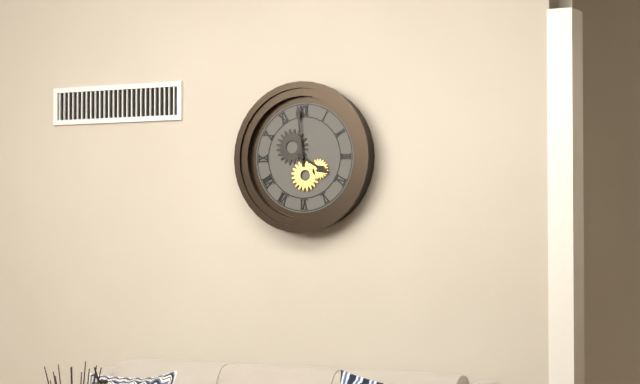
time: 3:59
